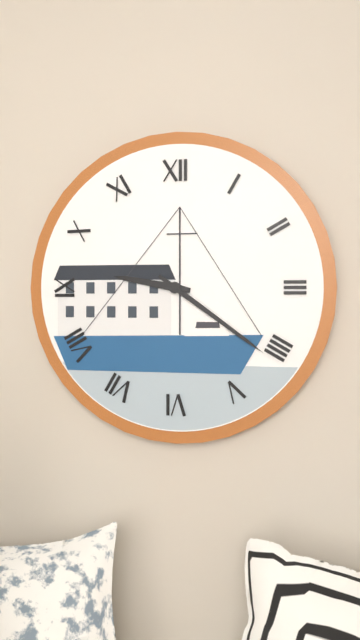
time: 9:21
